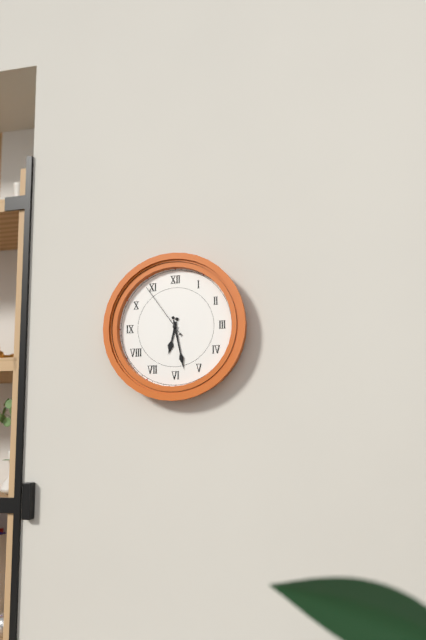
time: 6:28:54
